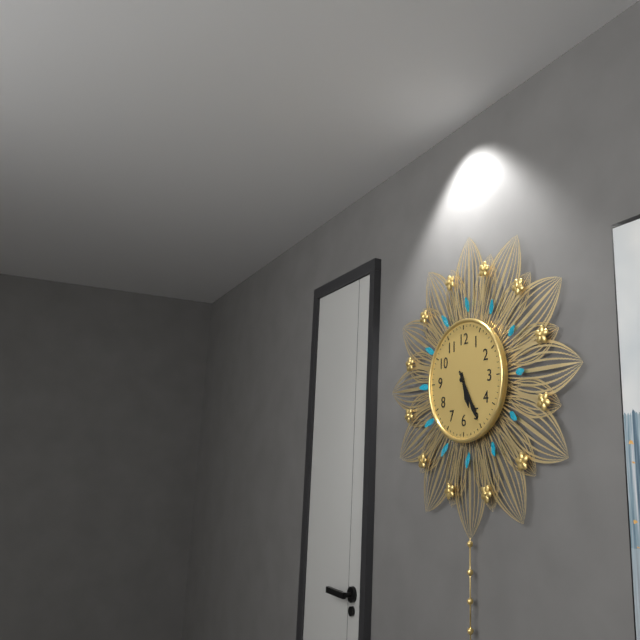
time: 5:25
